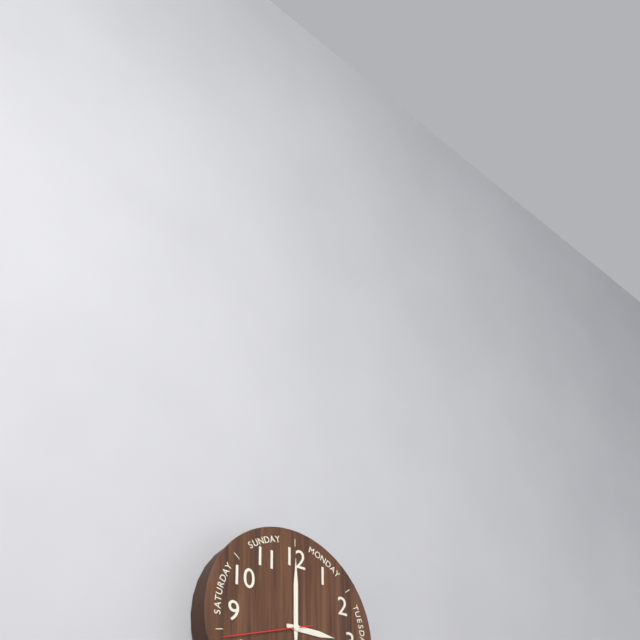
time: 3:00:42
